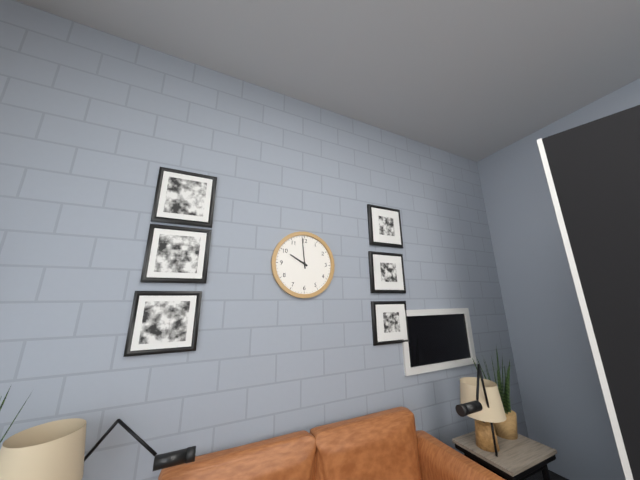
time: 9:59
